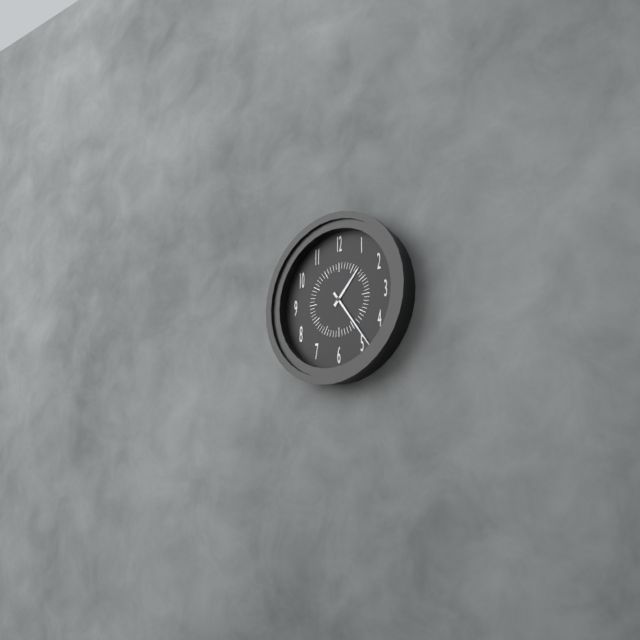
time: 1:24
